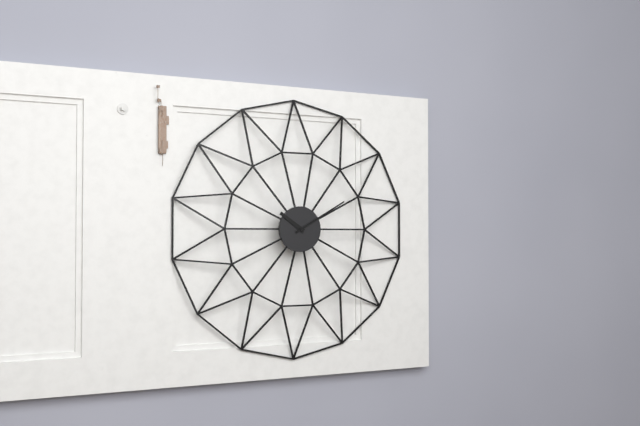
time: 10:10
